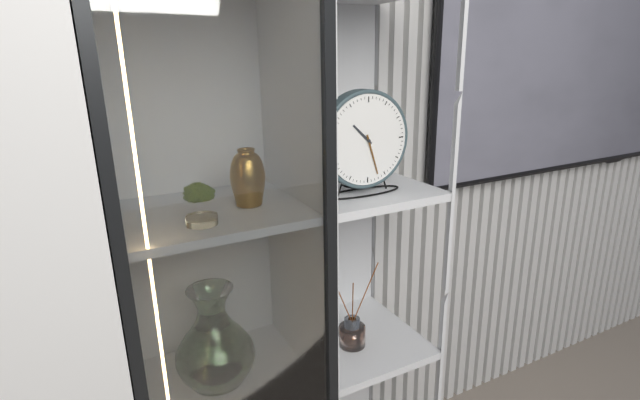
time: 10:27
